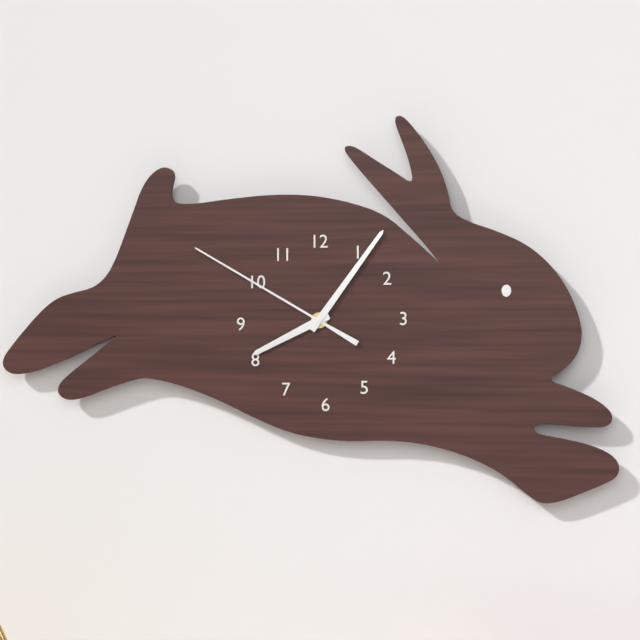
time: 8:06:50
